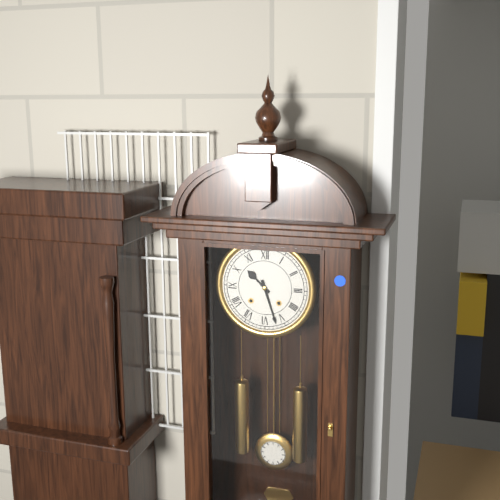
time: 10:27
